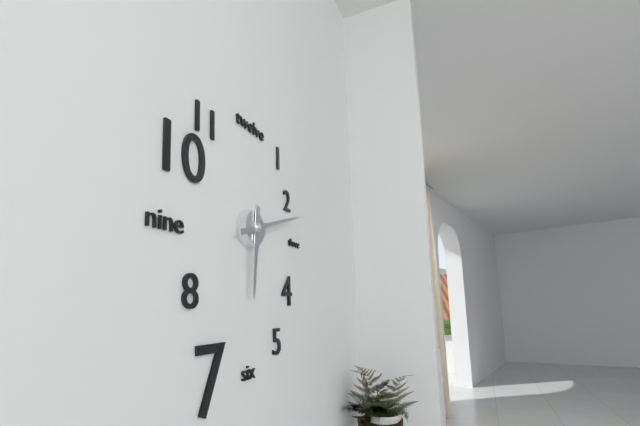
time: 6:12
